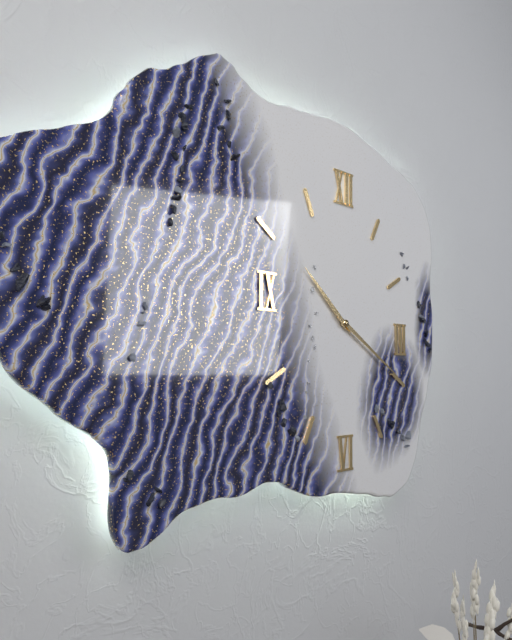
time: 10:20
